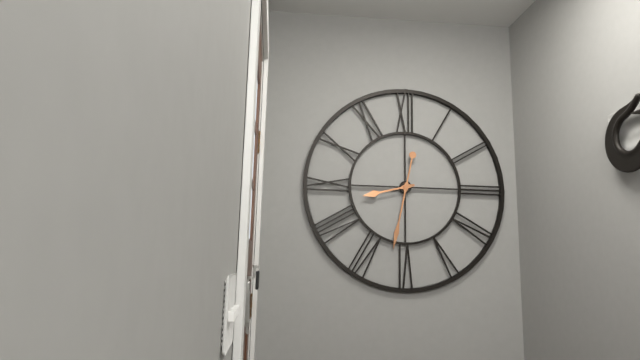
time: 8:32
